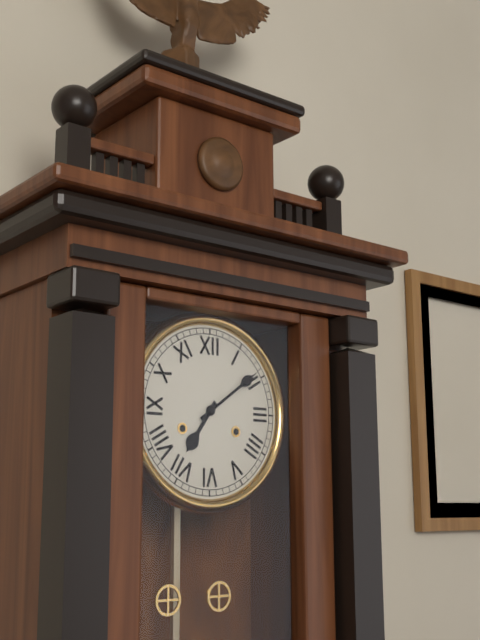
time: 7:09
